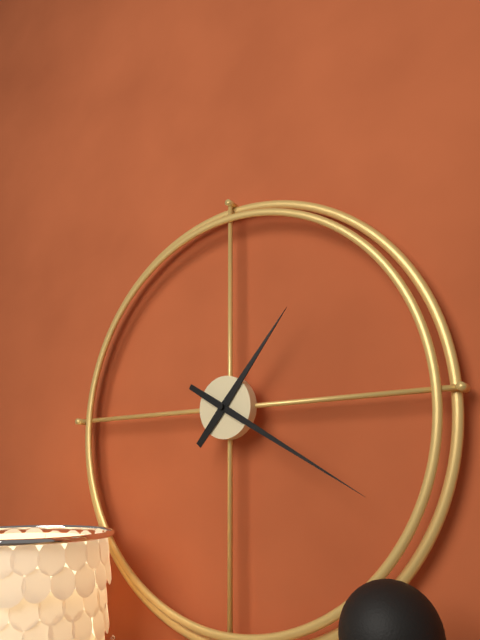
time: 1:20
